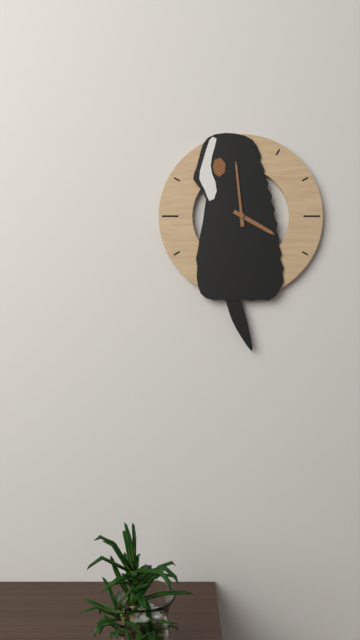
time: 3:59
